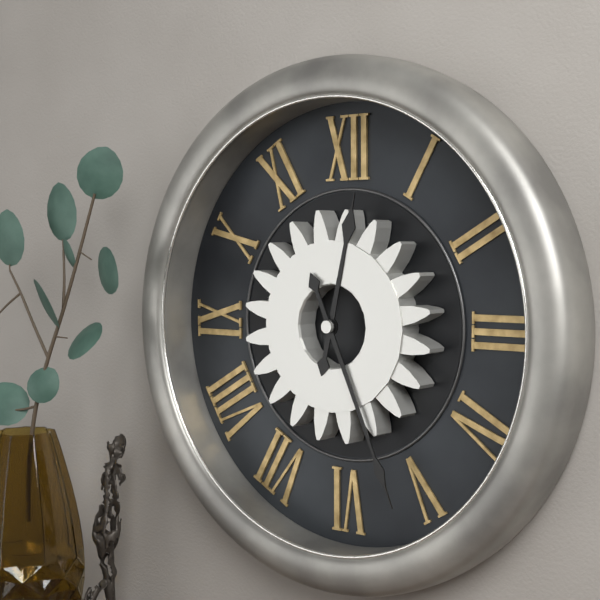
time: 12:26
